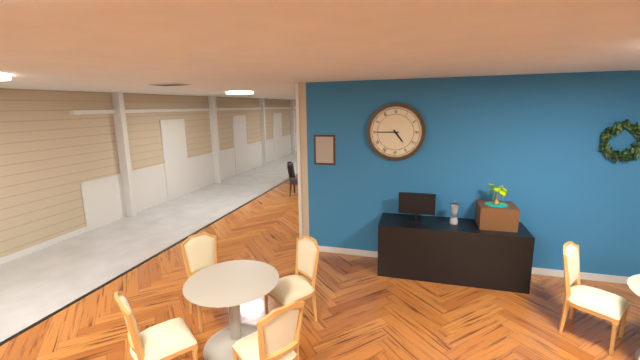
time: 4:45
